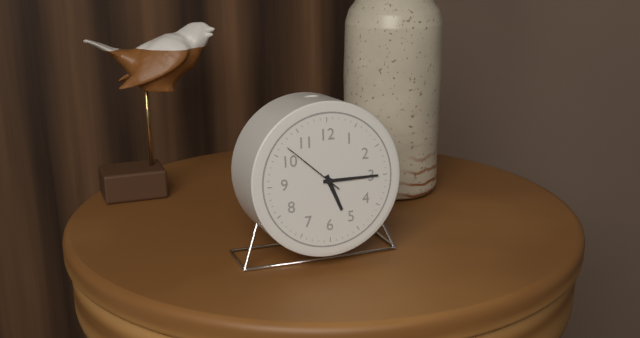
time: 5:15:52
